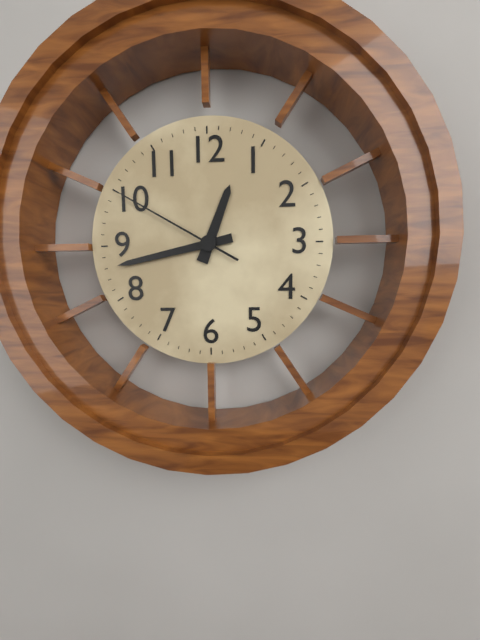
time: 12:43:50
